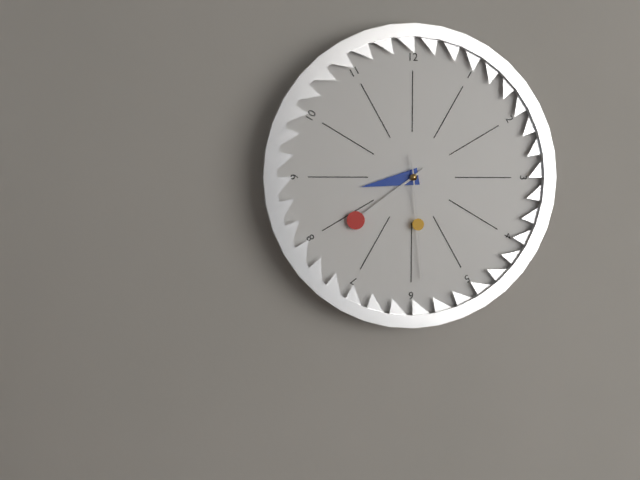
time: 8:39:29
